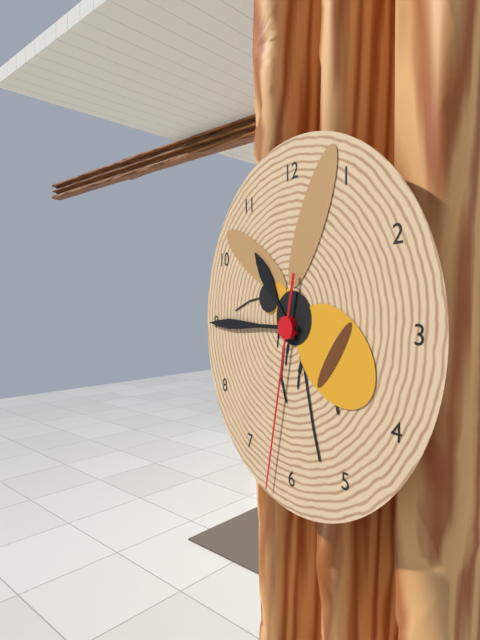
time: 10:45:32
